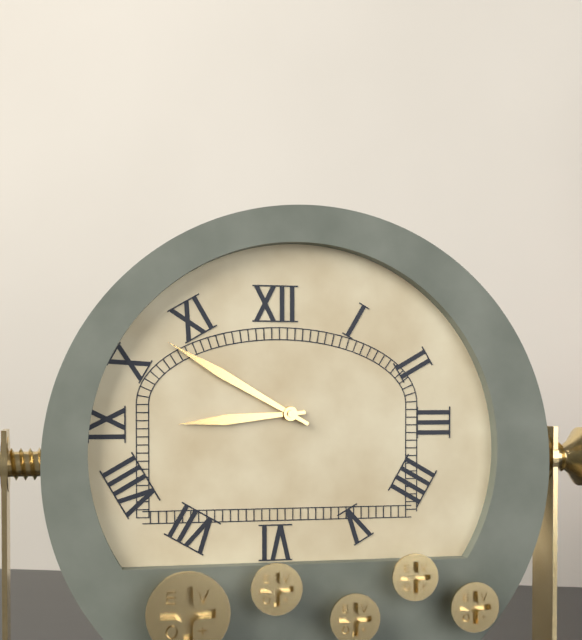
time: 8:50
